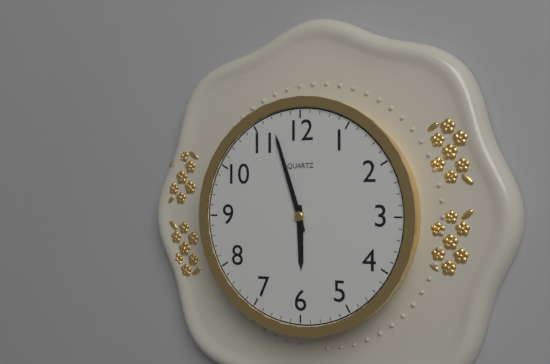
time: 5:57
